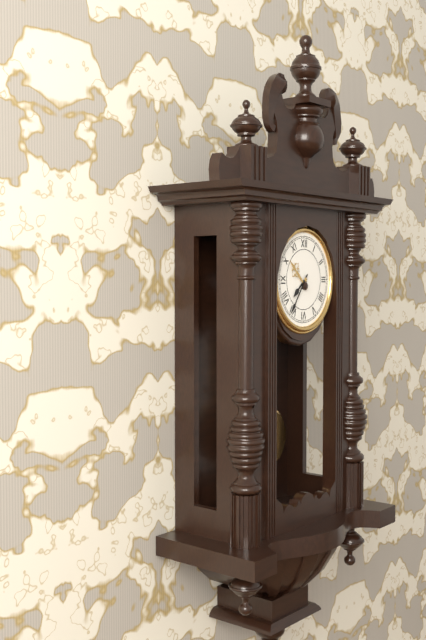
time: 7:36
